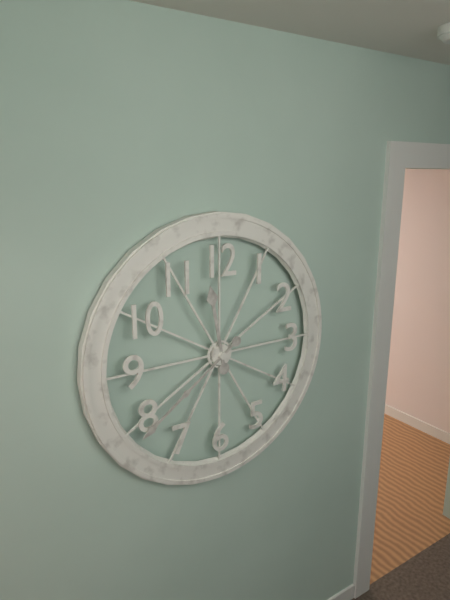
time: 11:39
